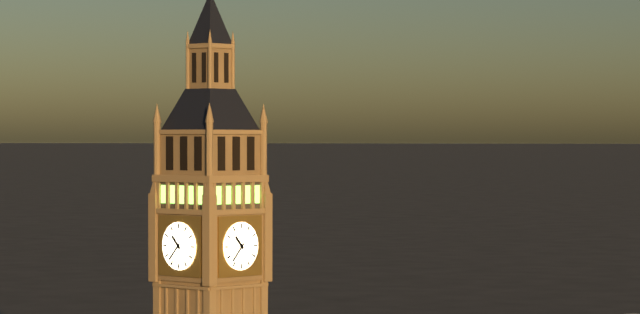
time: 10:37
